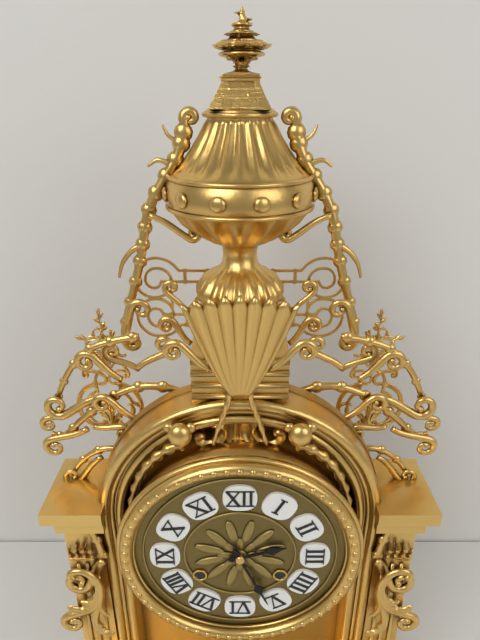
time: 2:26
